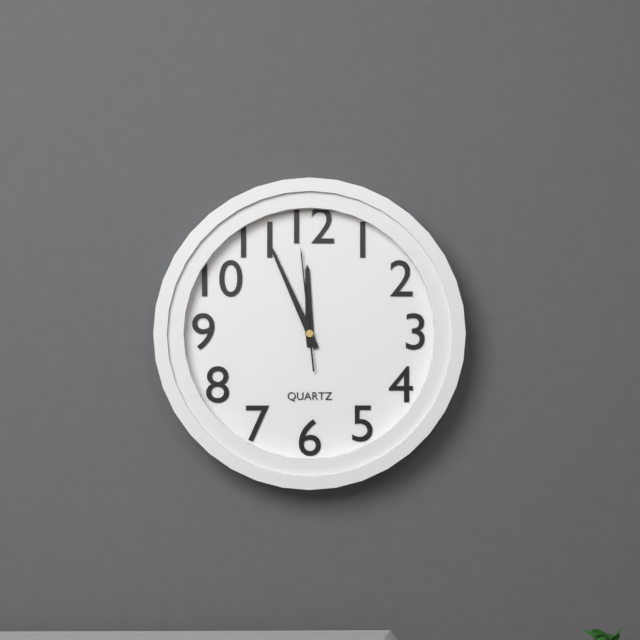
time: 11:56:59
